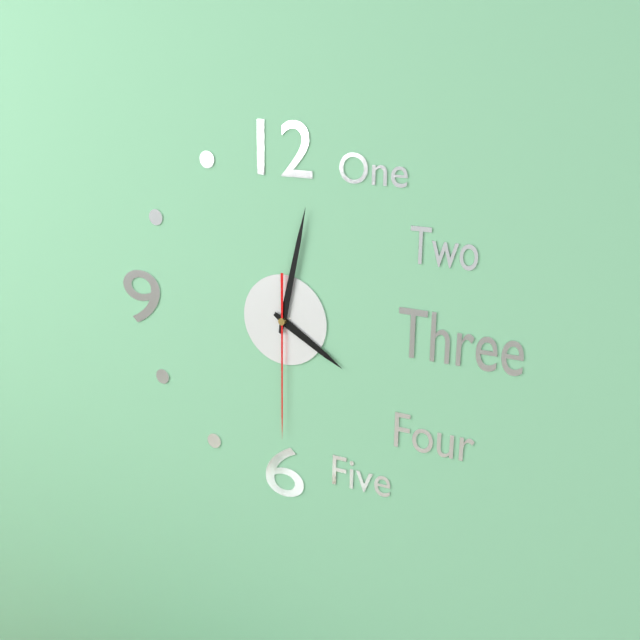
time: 4:02:30
